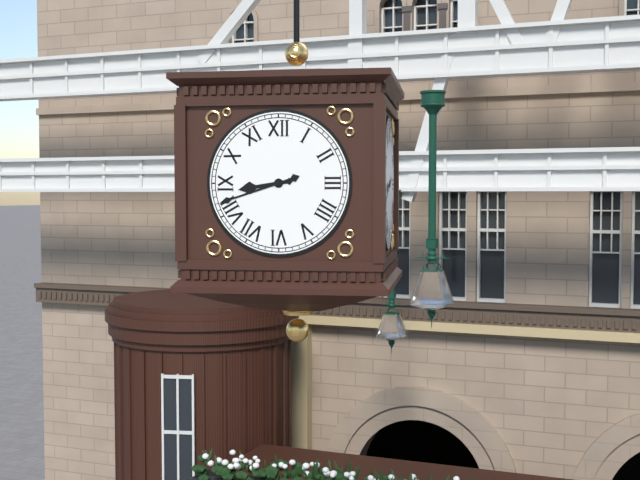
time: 8:42
